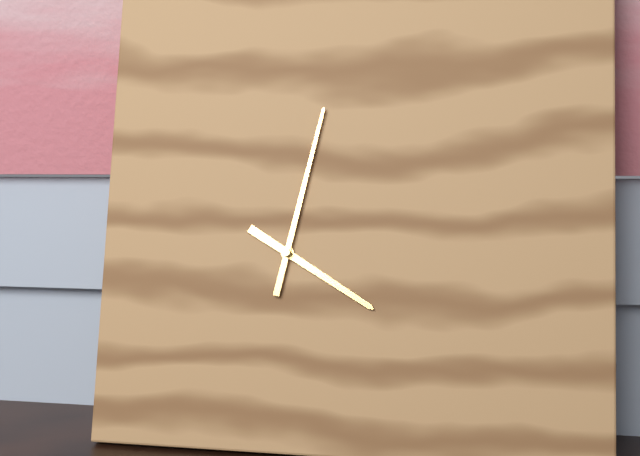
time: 4:02
